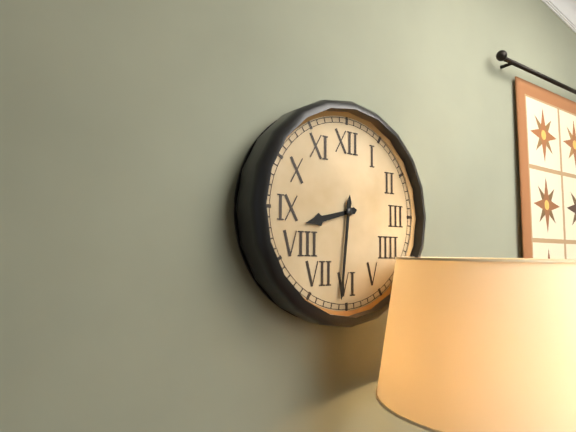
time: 8:31
